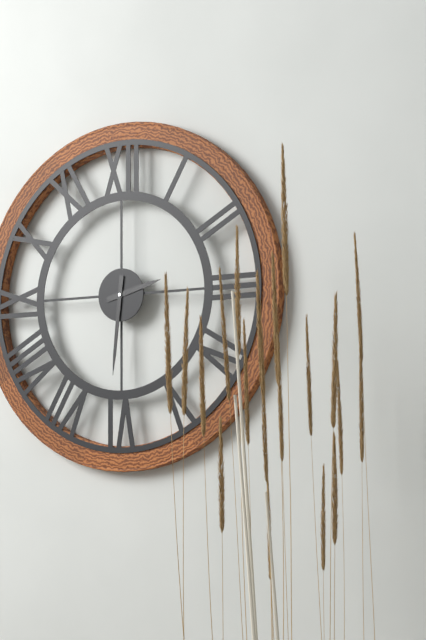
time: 2:31
